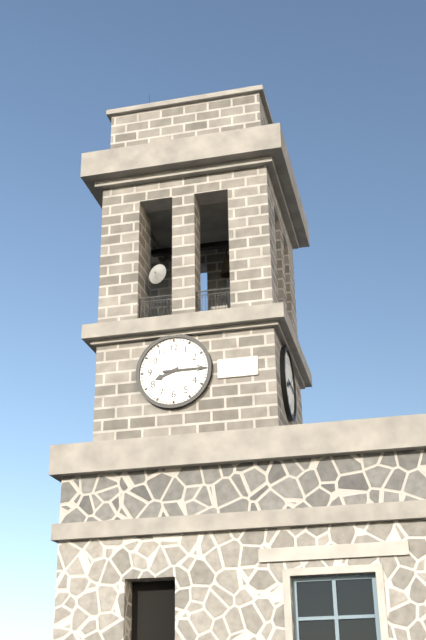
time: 8:15
